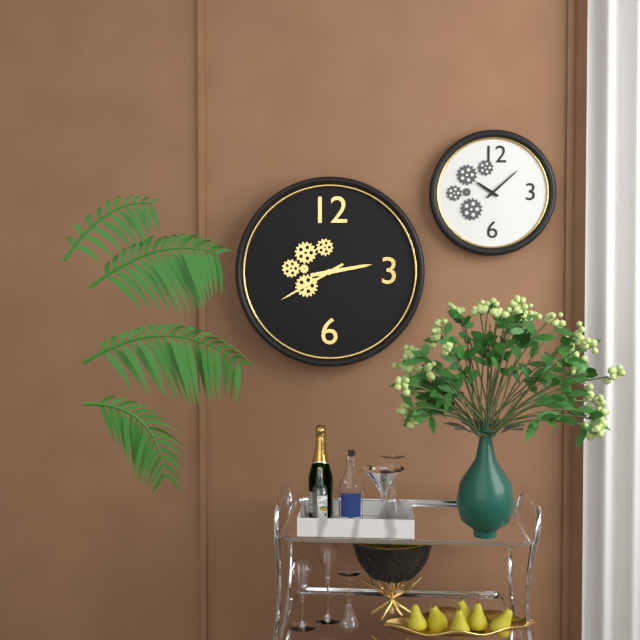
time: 2:40
